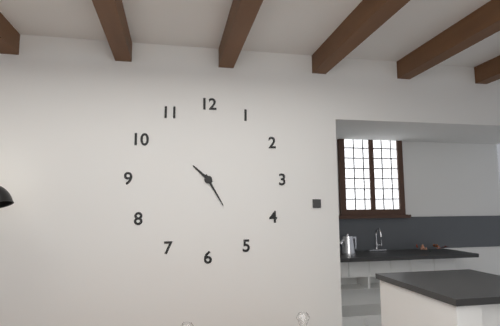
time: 10:25
